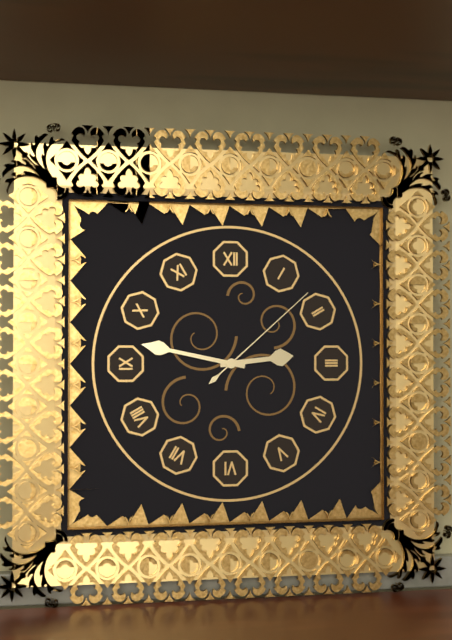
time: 2:47:08
